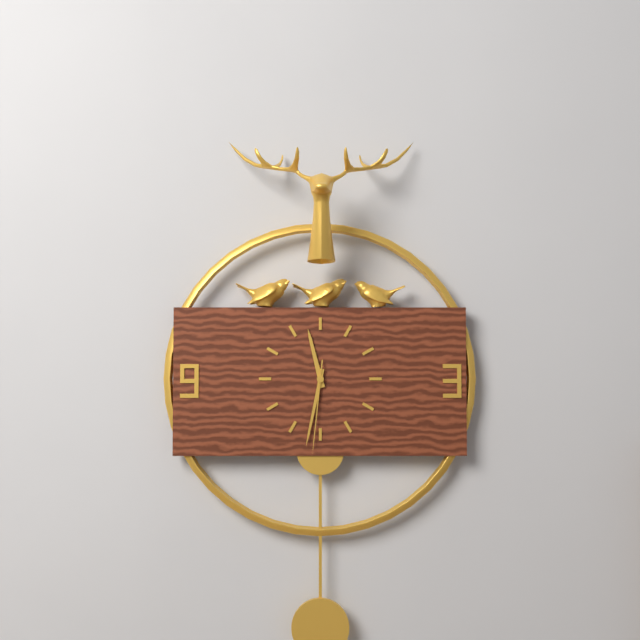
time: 11:32:31
